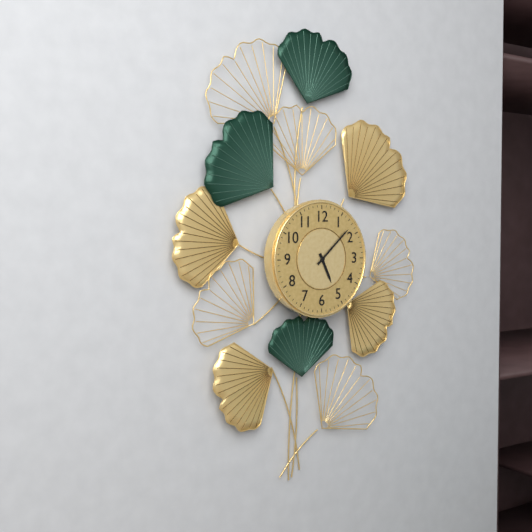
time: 5:08
